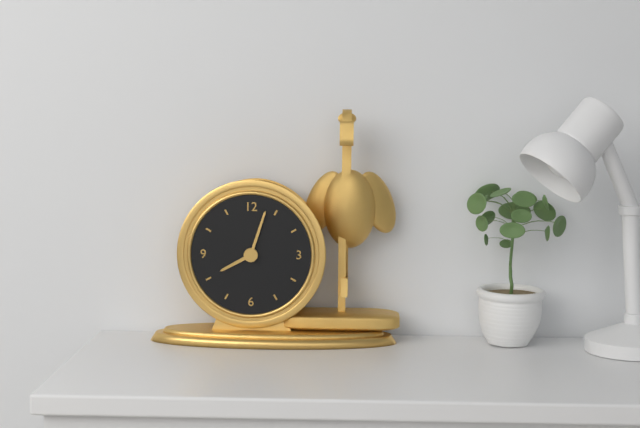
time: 8:03
